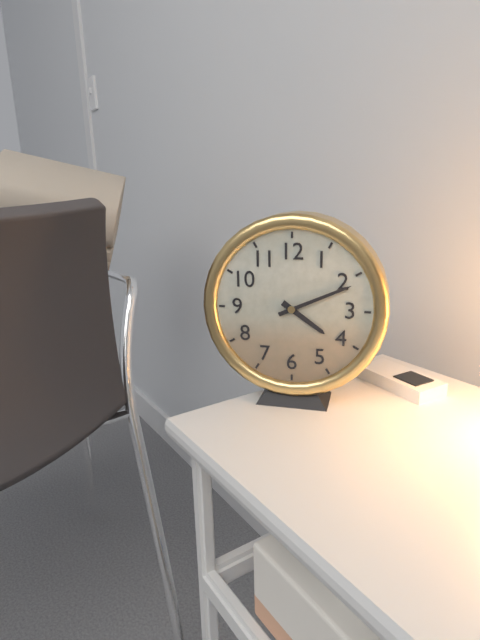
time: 4:11
